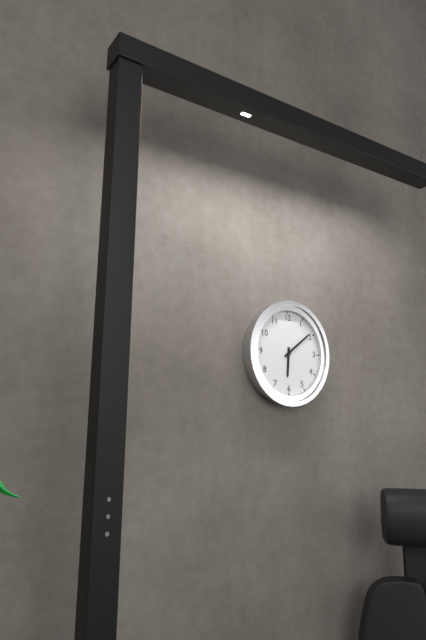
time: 6:09
